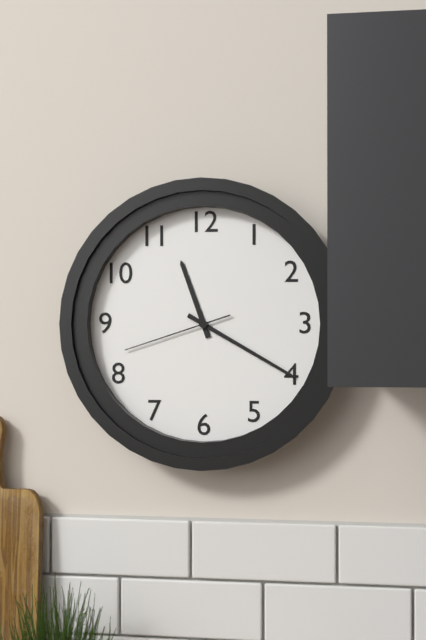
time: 11:20:42
